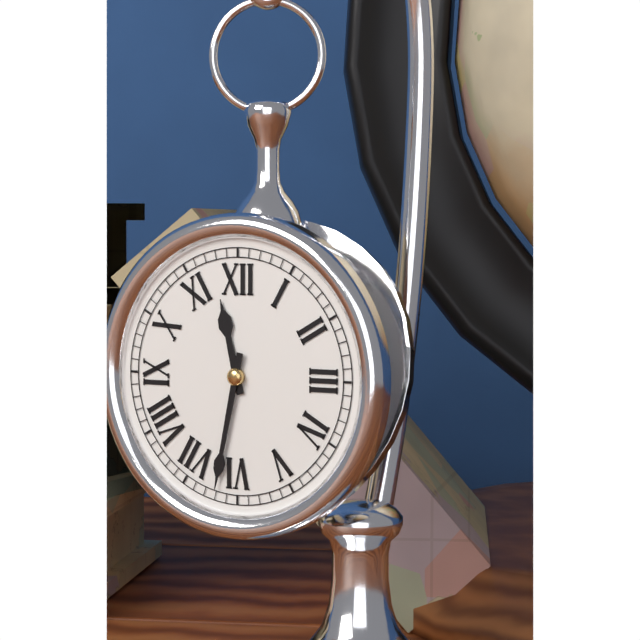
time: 11:32
